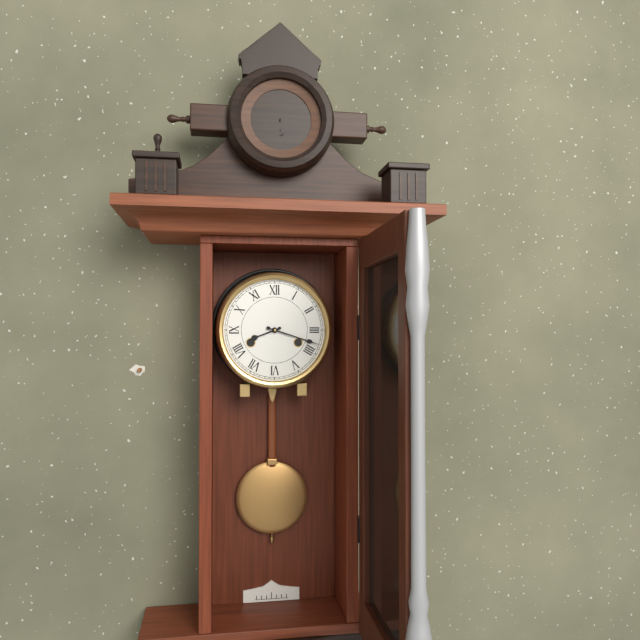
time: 8:18
